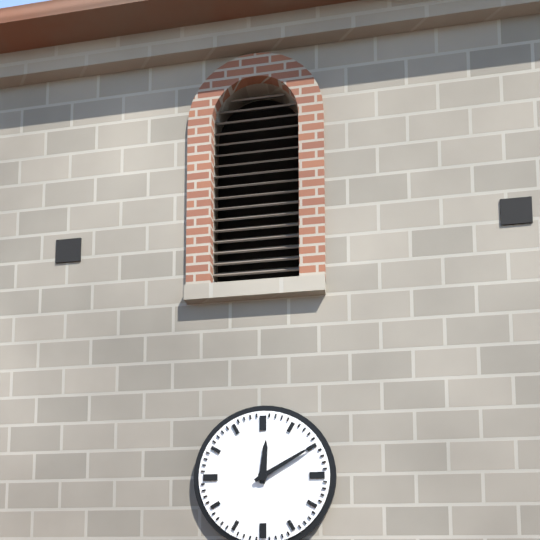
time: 12:10
